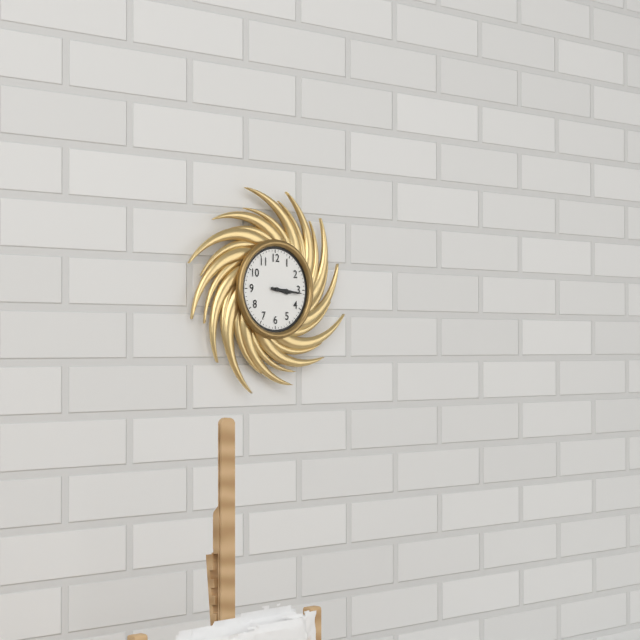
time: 3:16
